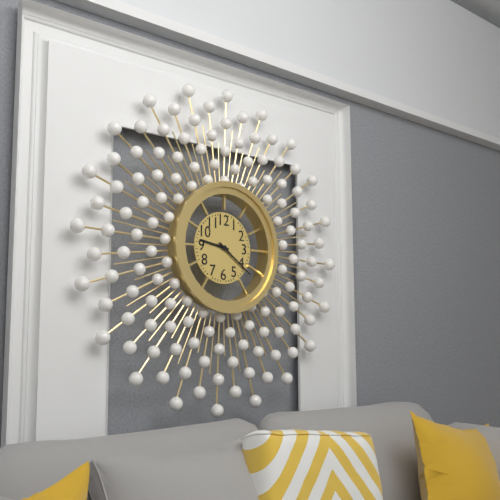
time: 9:21
